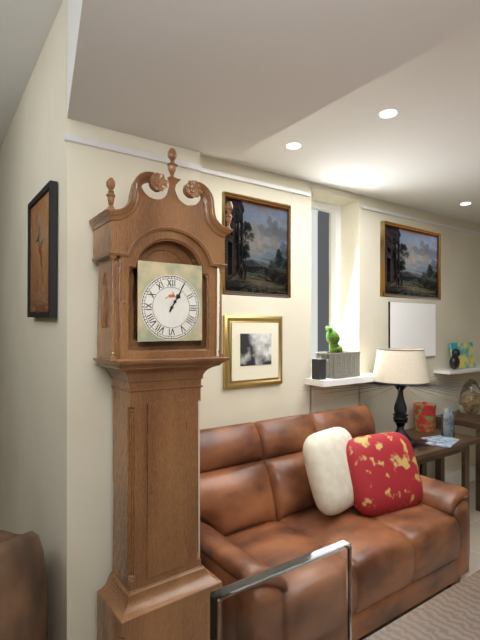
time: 1:05
